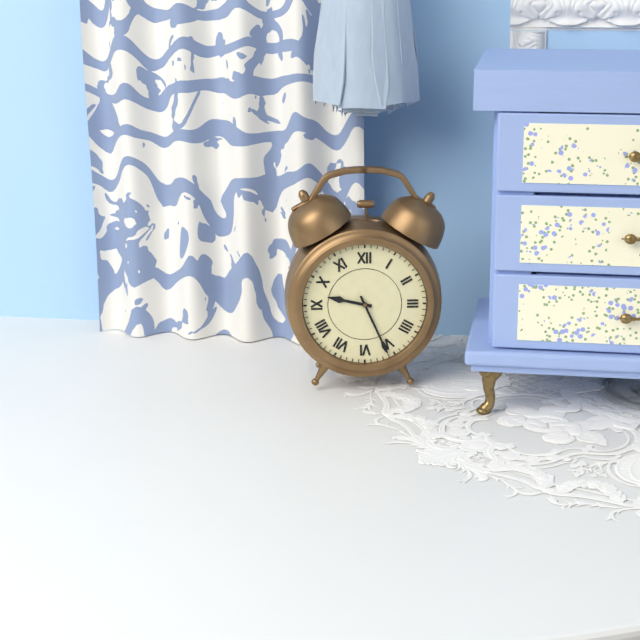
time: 9:26
